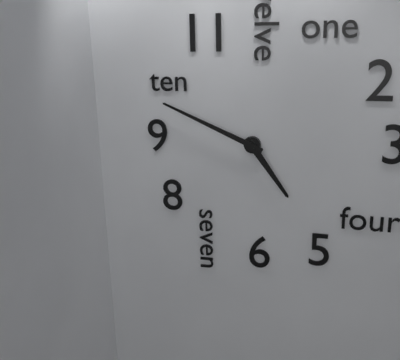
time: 4:49
